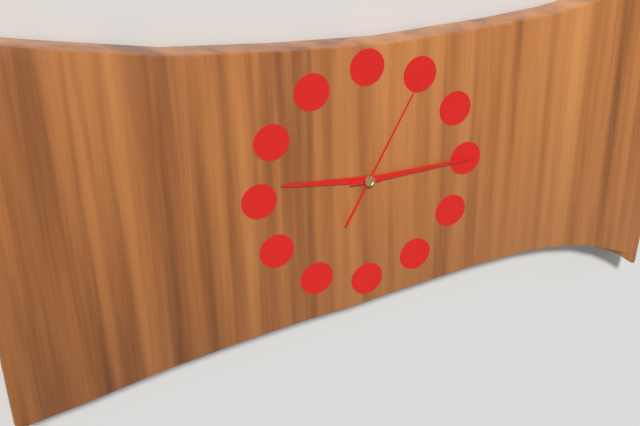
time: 9:15:05
